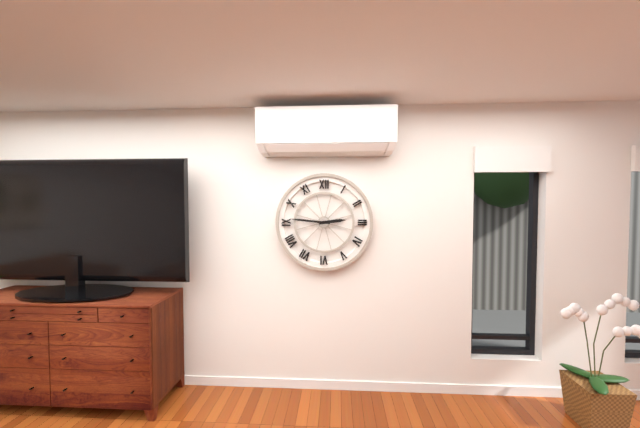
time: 2:46
